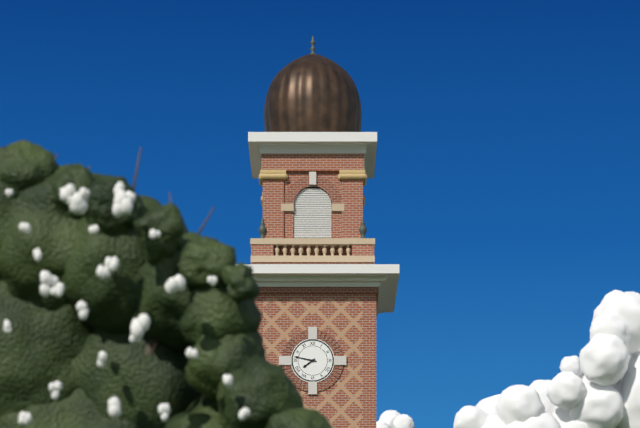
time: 7:47
